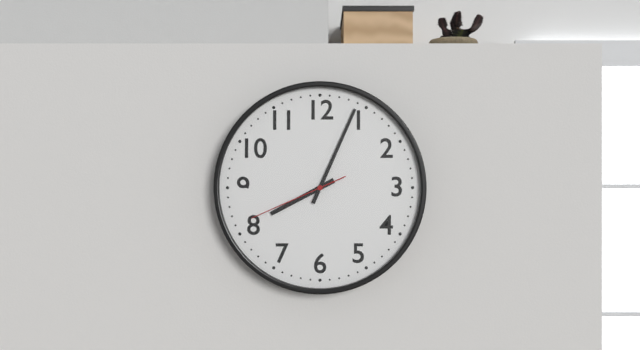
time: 8:04:41
